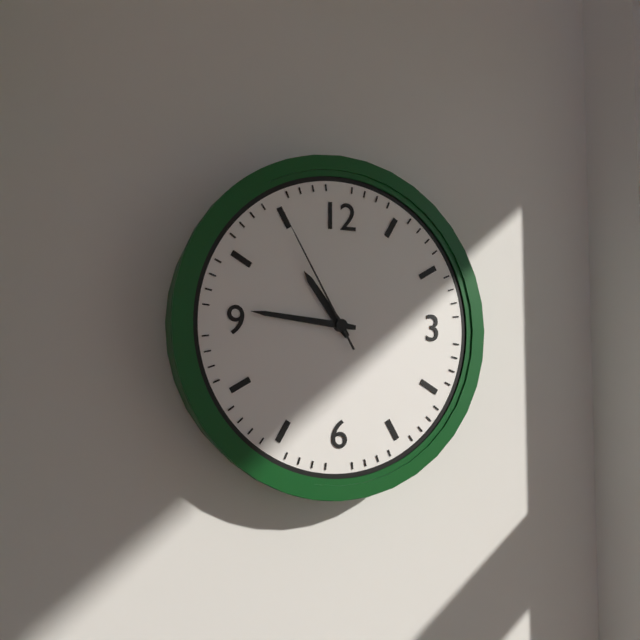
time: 10:46:55
